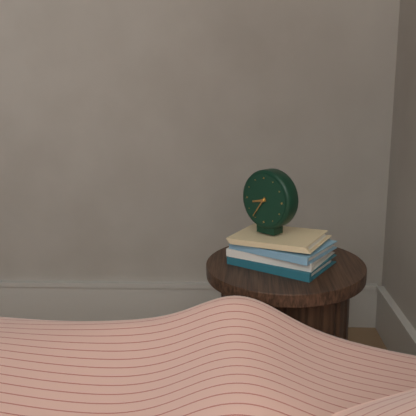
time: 8:36
